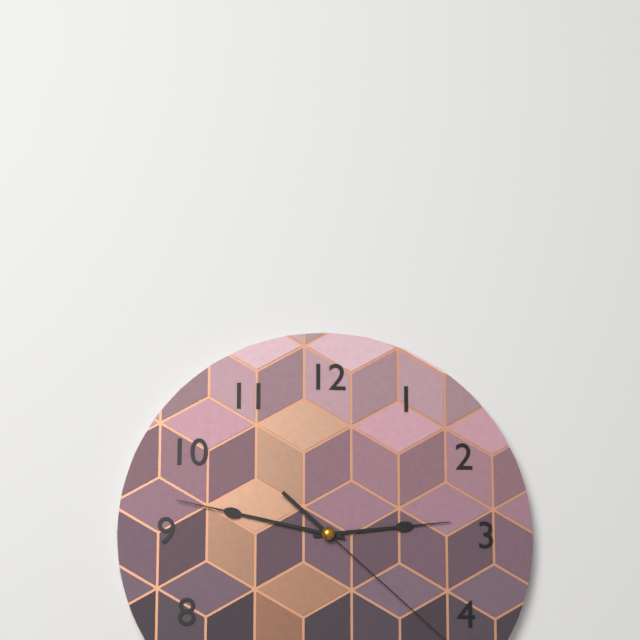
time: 2:47
